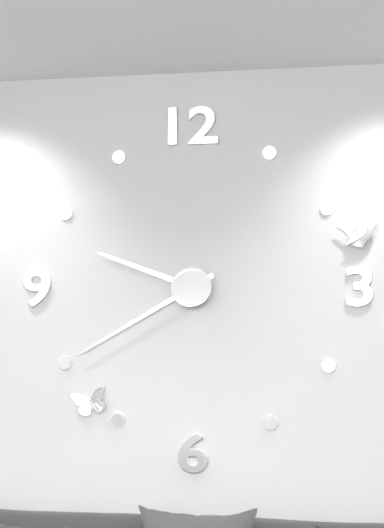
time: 9:40
